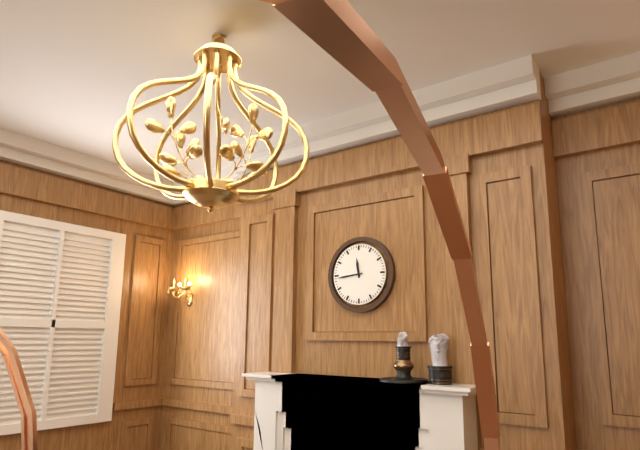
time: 11:44
